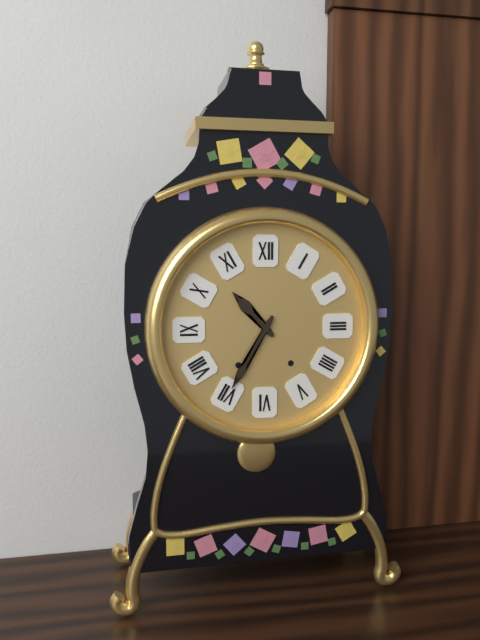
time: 10:35
